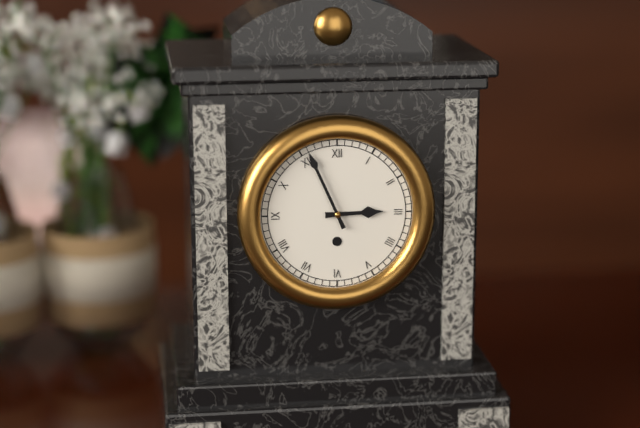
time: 2:56
